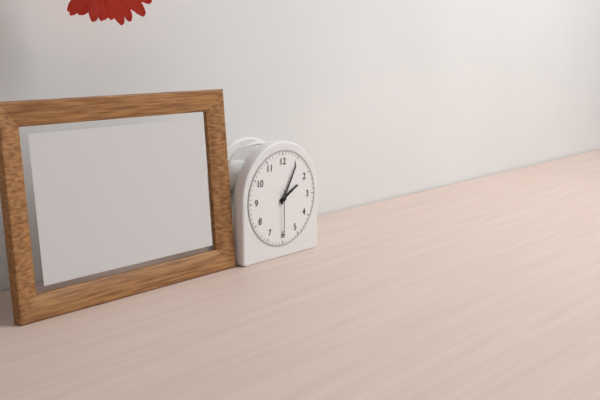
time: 2:05
